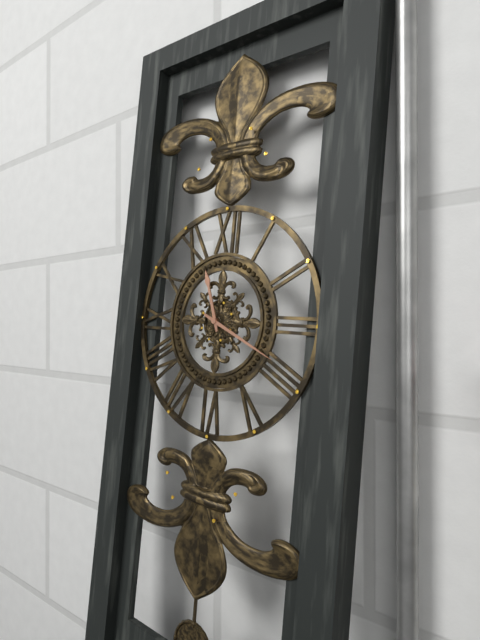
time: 11:19
